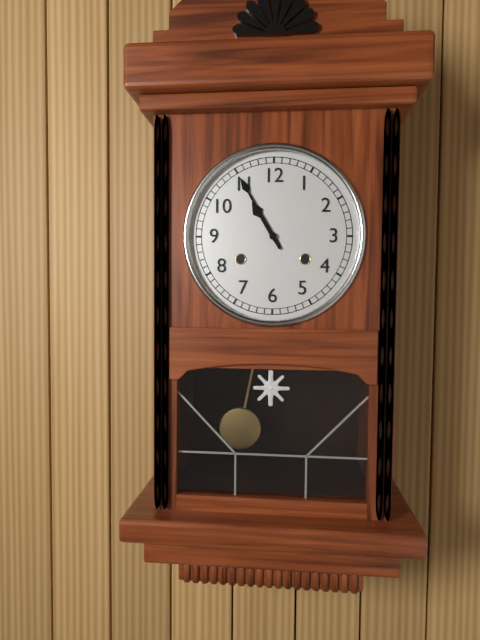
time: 10:55
